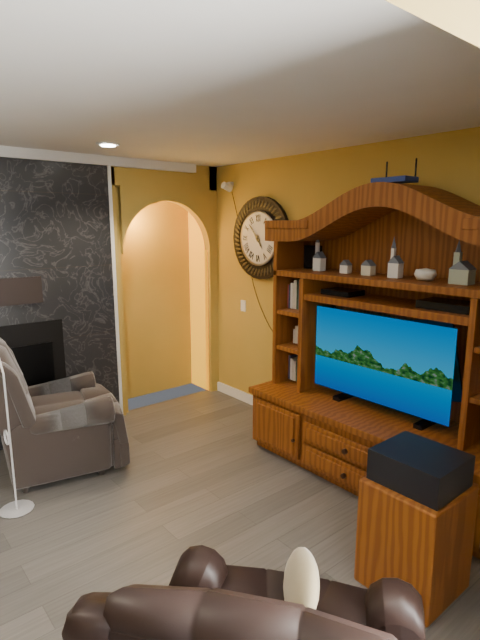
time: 4:53
